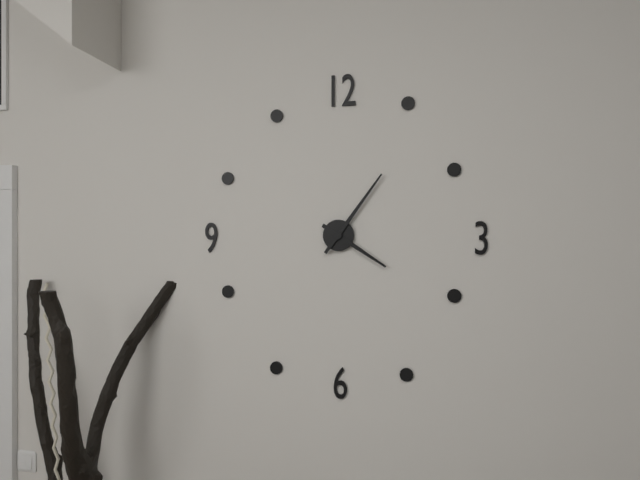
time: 4:06
